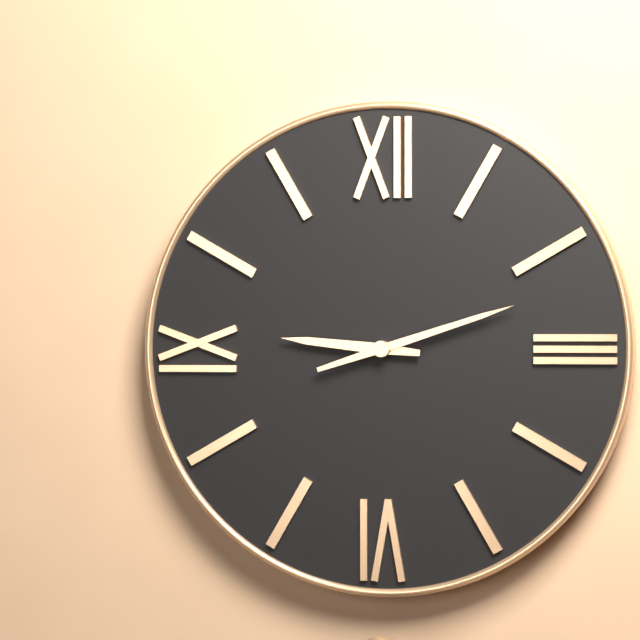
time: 9:12
